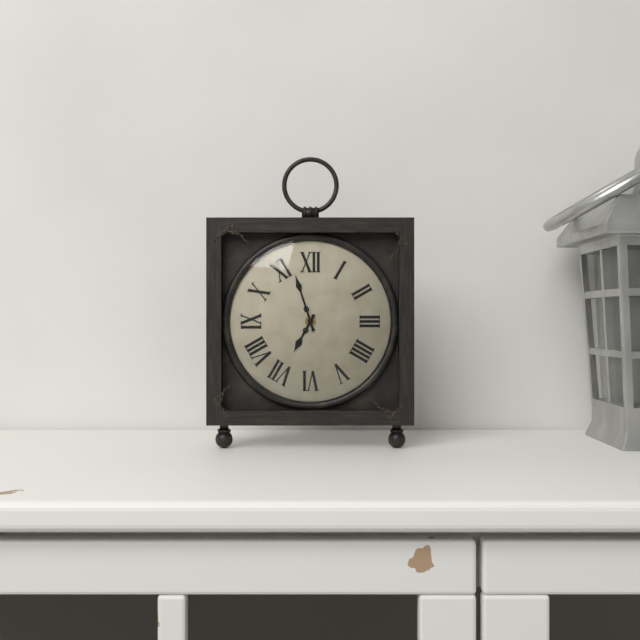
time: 6:57
